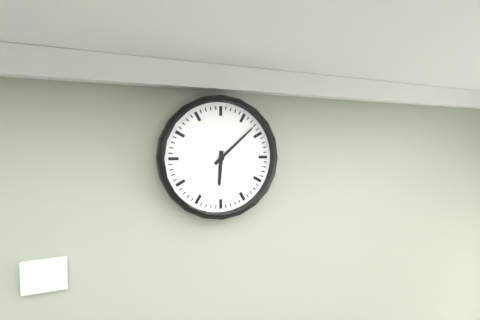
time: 6:08
